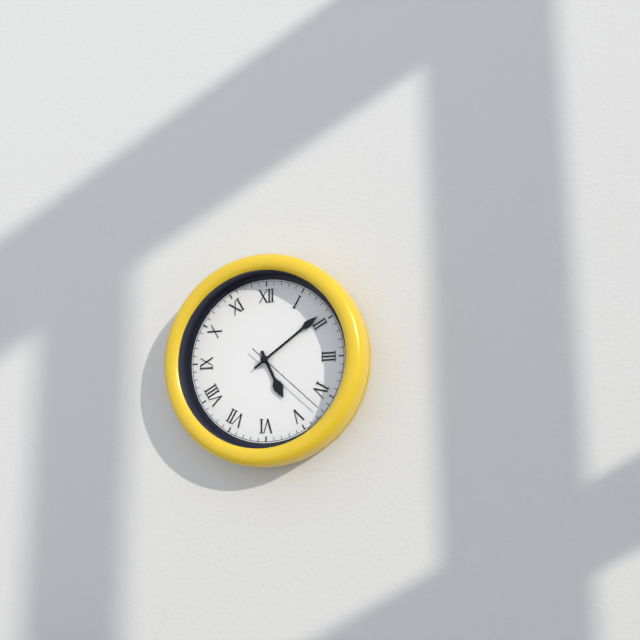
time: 5:09:22
